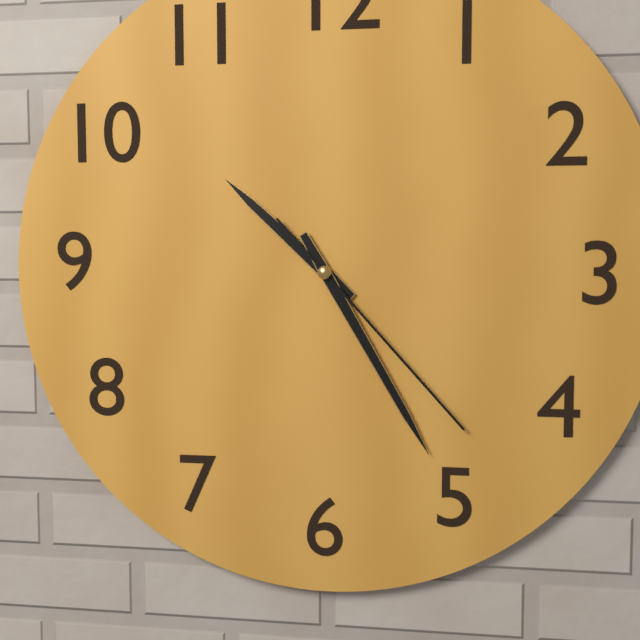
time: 10:25:23
